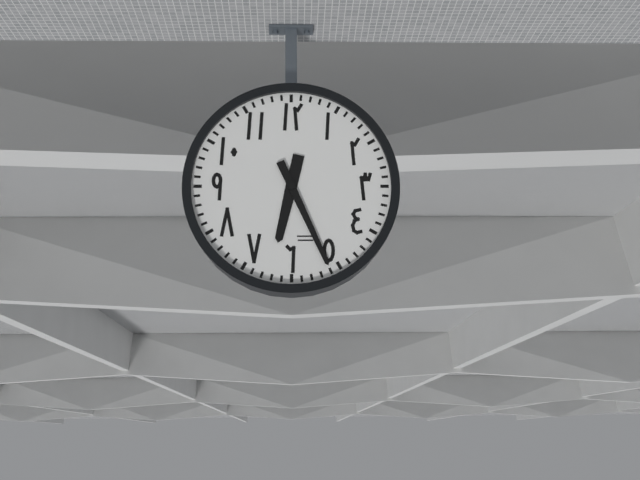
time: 6:26
